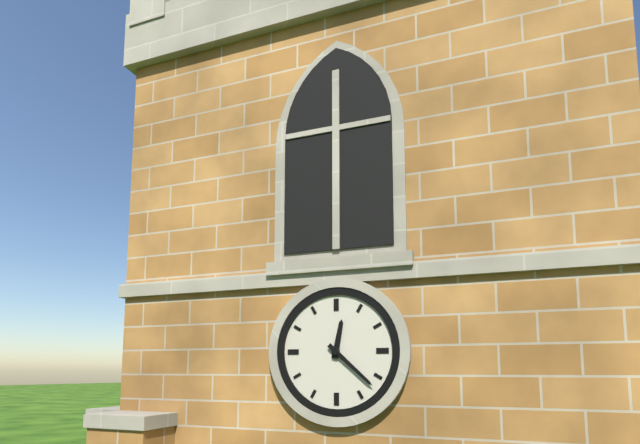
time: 12:22
